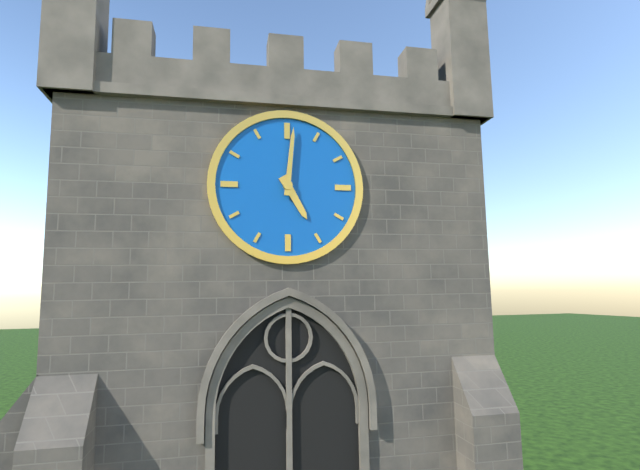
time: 5:01
